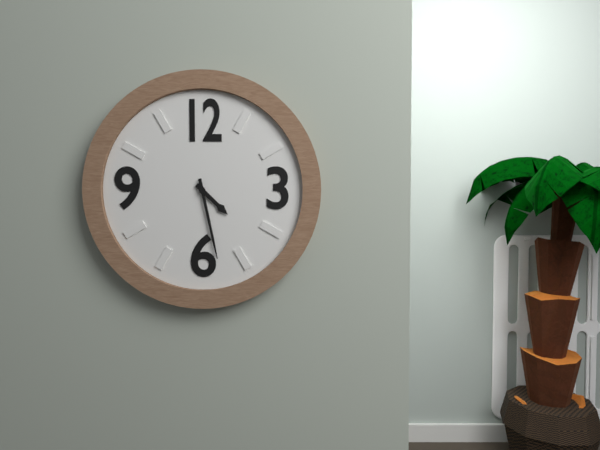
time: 4:28
